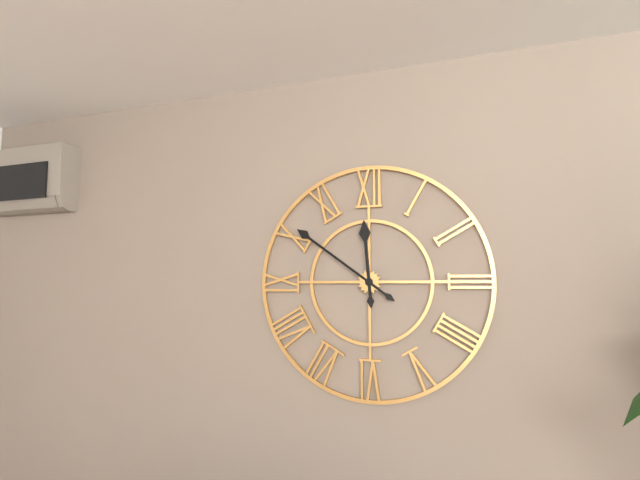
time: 11:51
